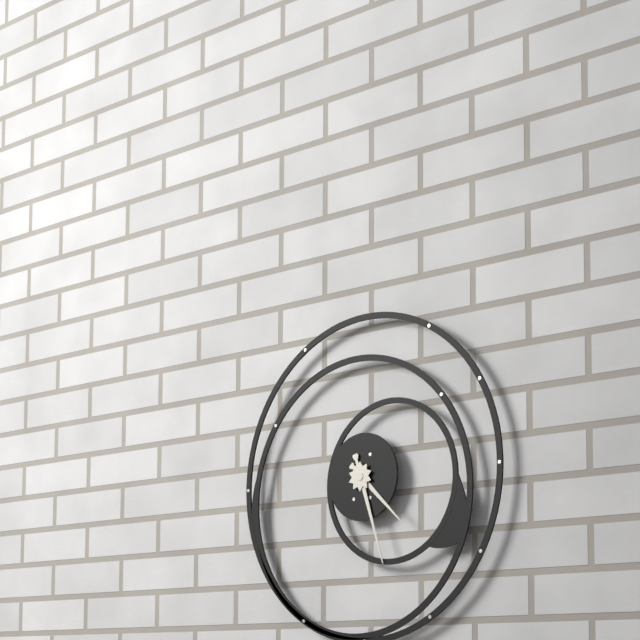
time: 4:27
